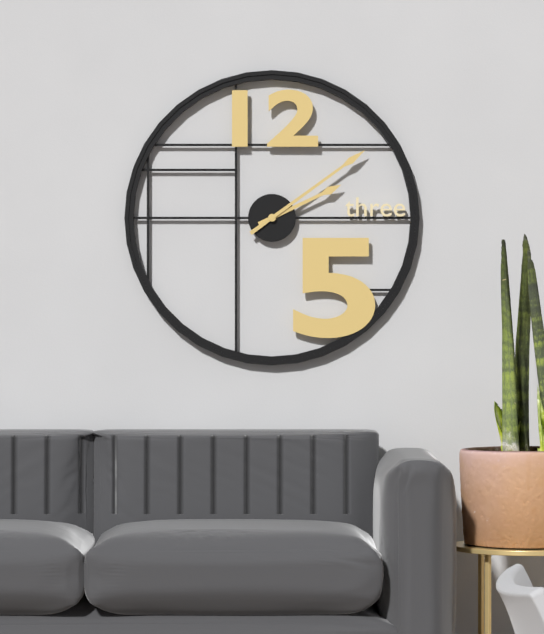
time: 2:09
